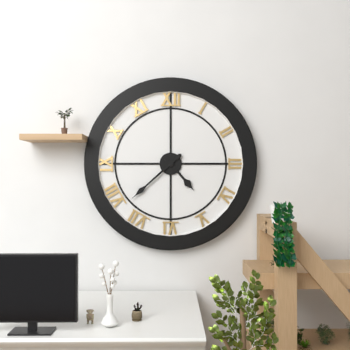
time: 4:38
